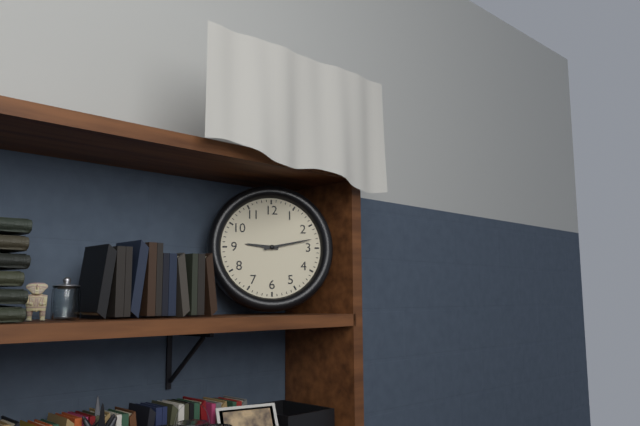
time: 9:13
